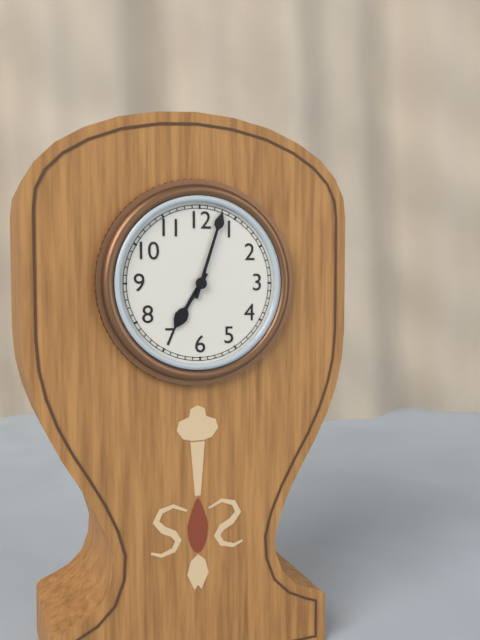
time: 7:03
